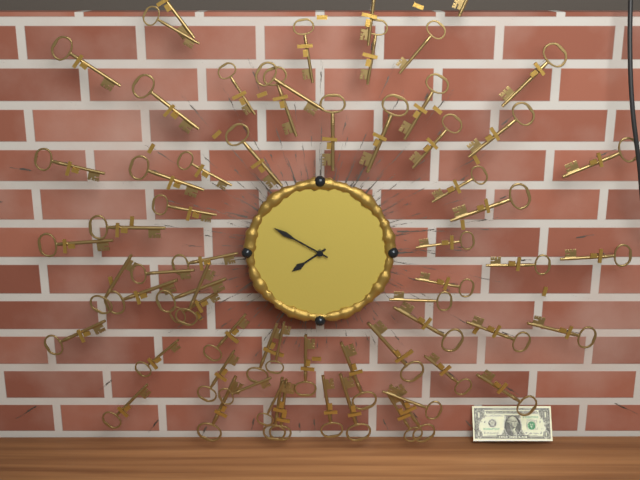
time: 7:50
